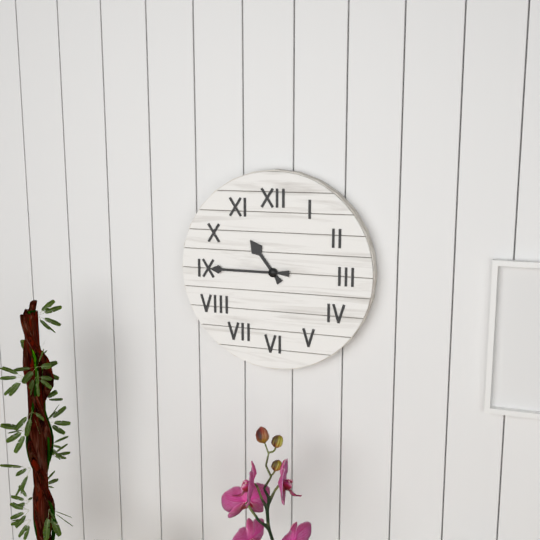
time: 10:45
